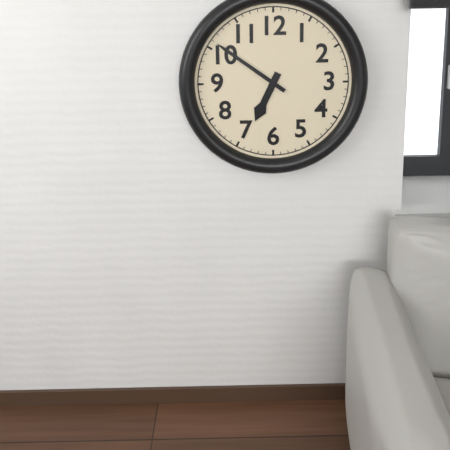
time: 6:51
